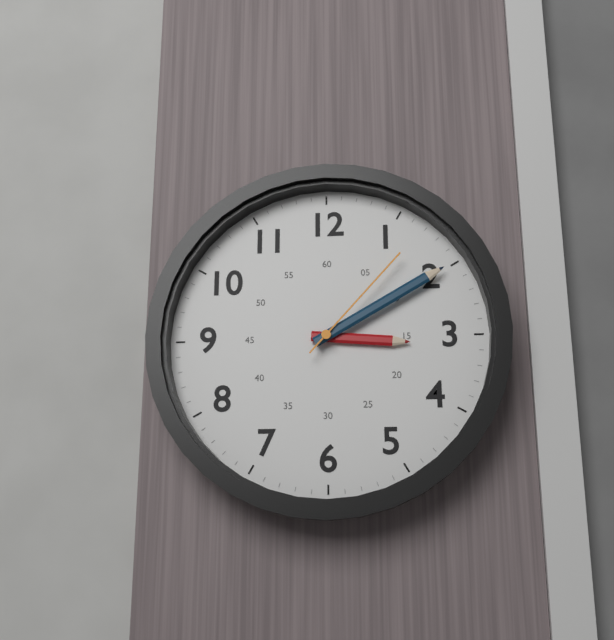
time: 3:10:07
